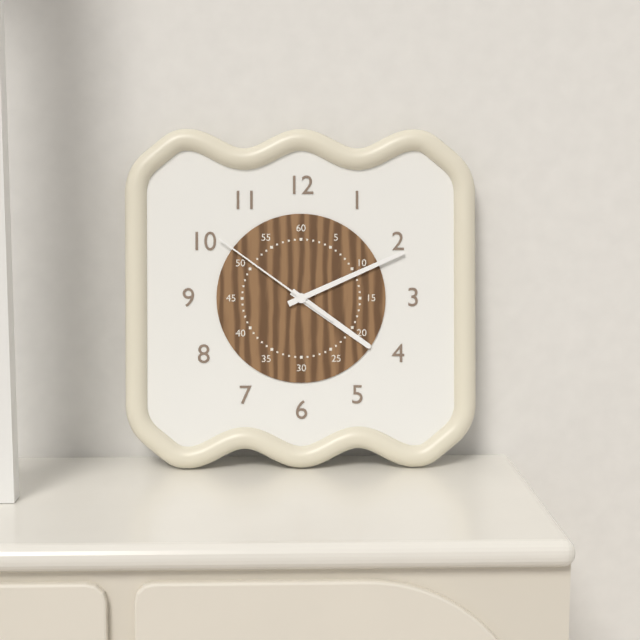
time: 4:11:51
